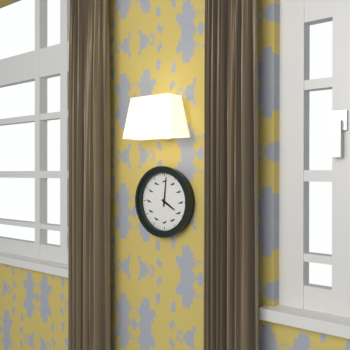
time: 4:01
